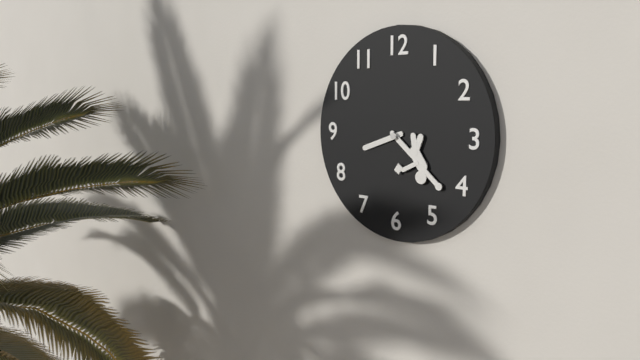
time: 8:21
